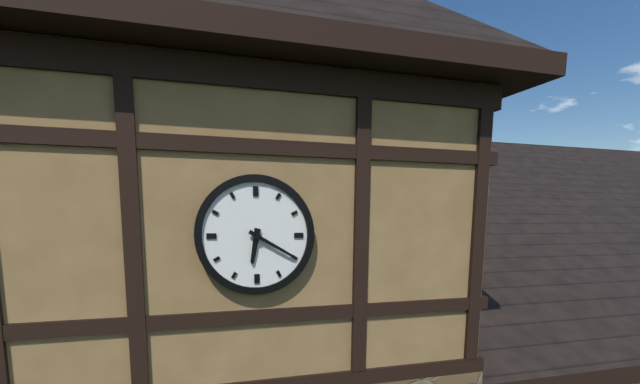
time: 6:20
